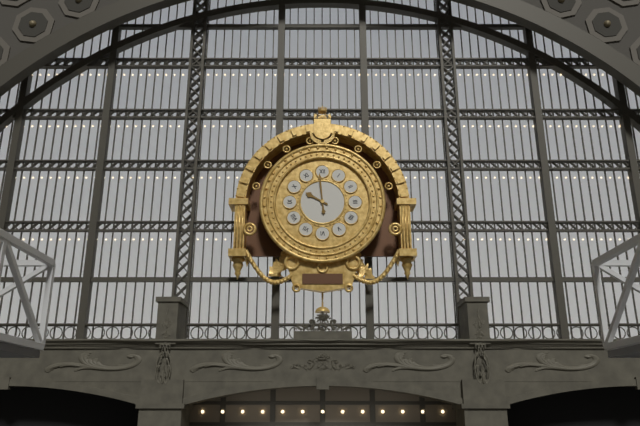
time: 9:59
